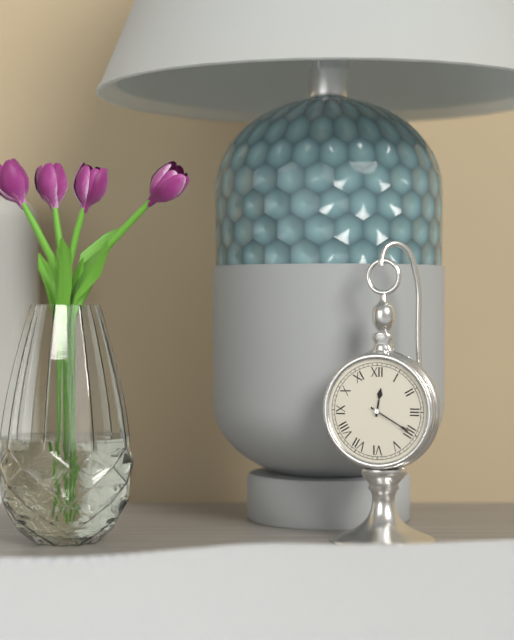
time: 12:20
